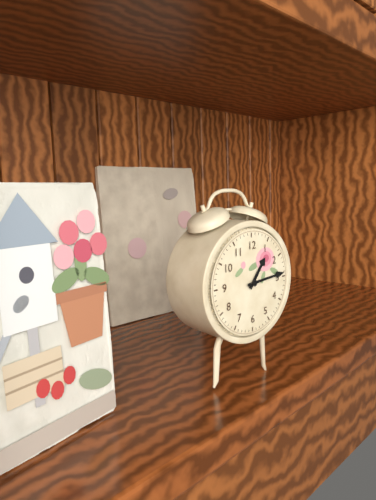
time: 1:14
